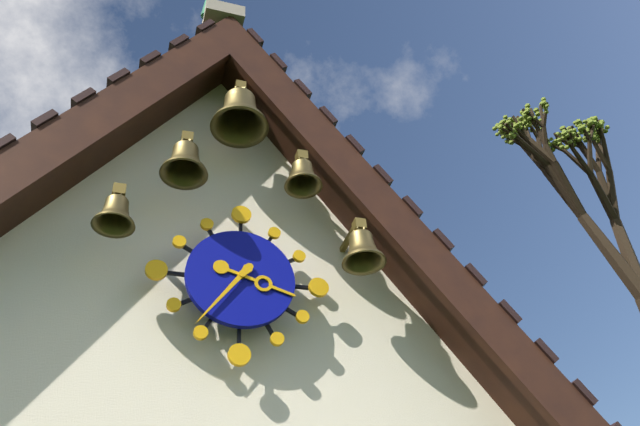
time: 3:36
